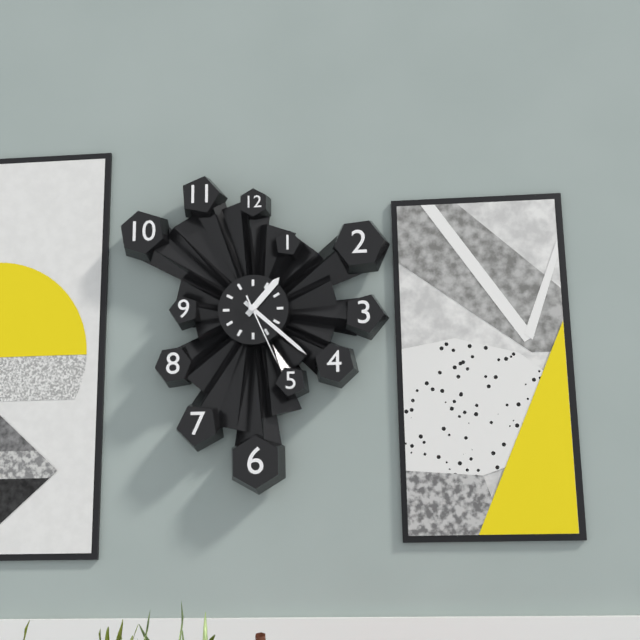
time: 1:22:26
